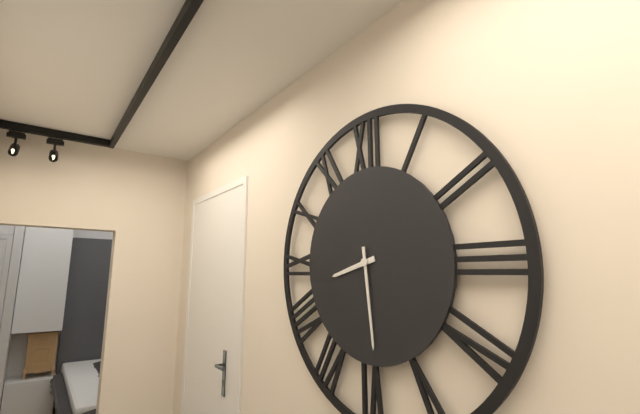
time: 8:29
